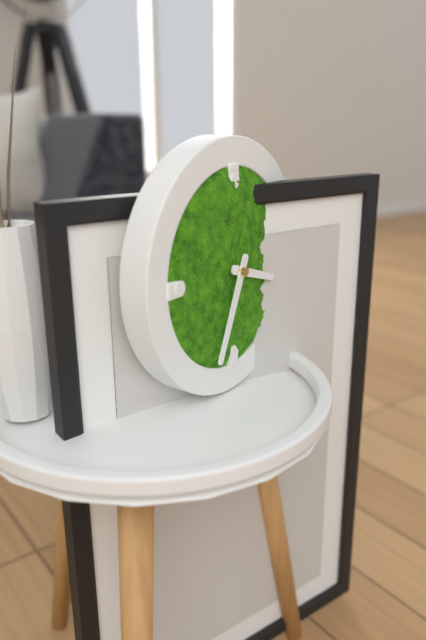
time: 3:34
